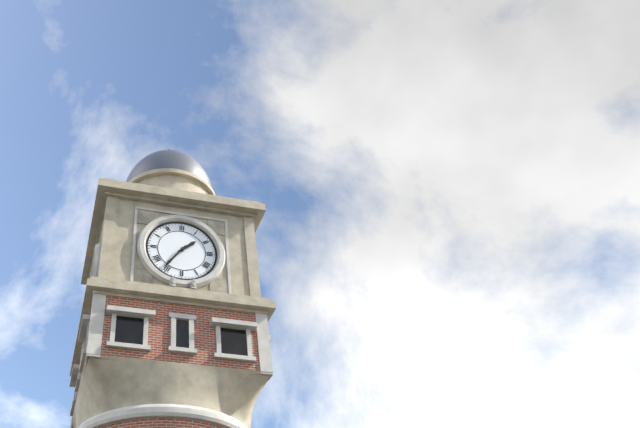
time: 1:36
